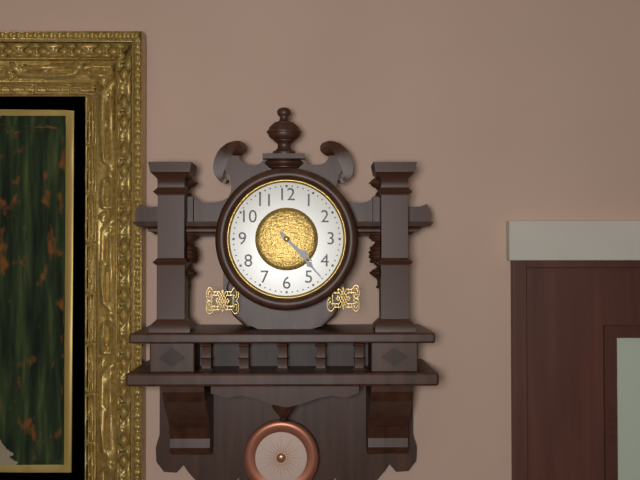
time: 4:23
